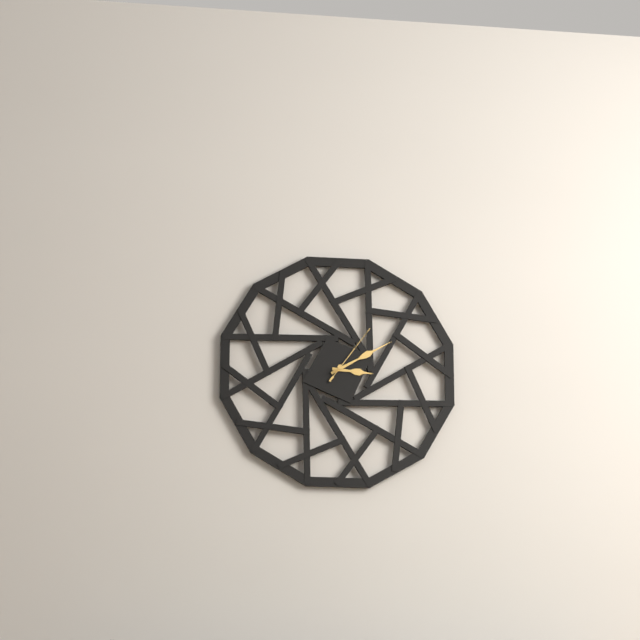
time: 3:10:06
